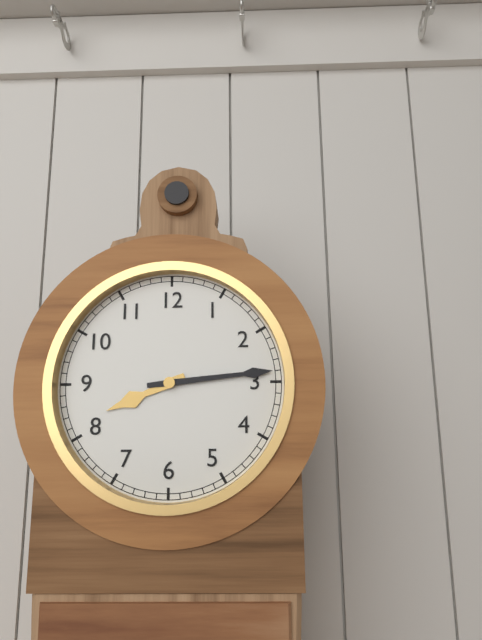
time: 8:14
